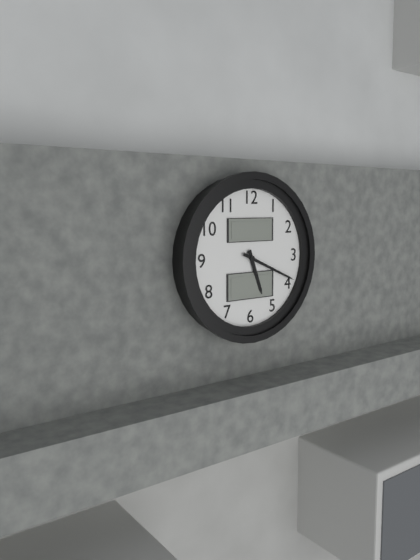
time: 5:19
